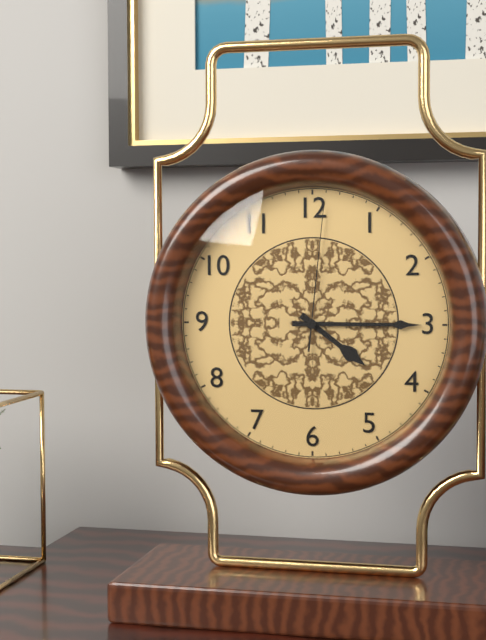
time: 4:15:01
